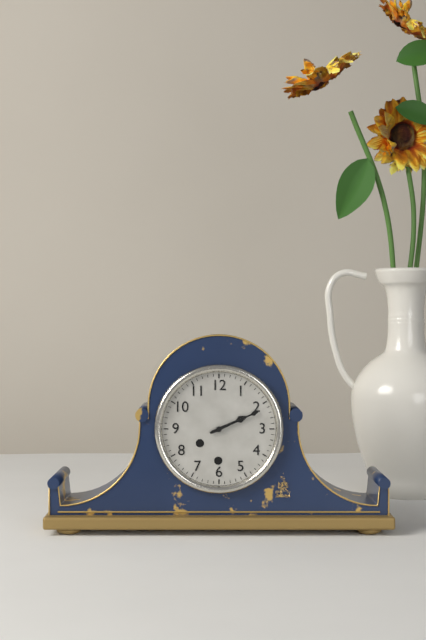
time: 2:11
